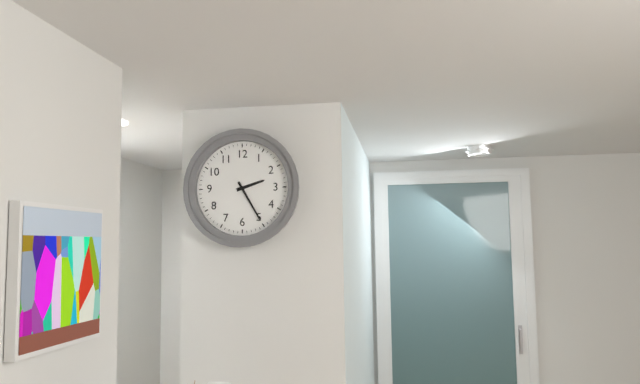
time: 2:25
